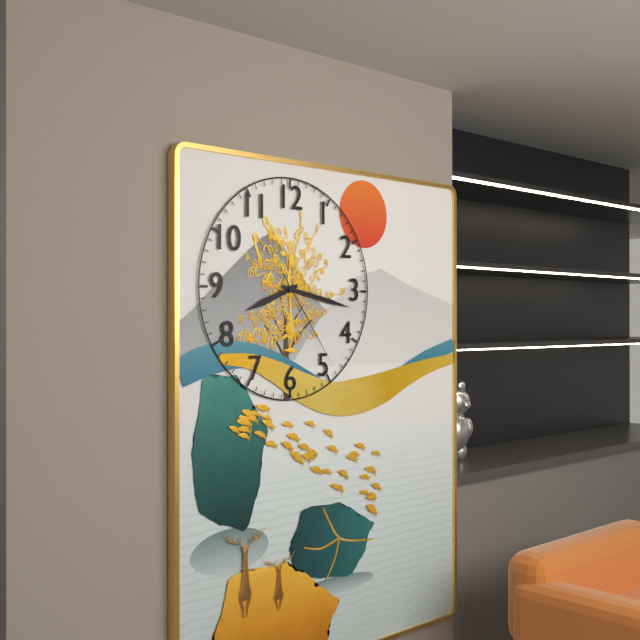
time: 8:17:24
